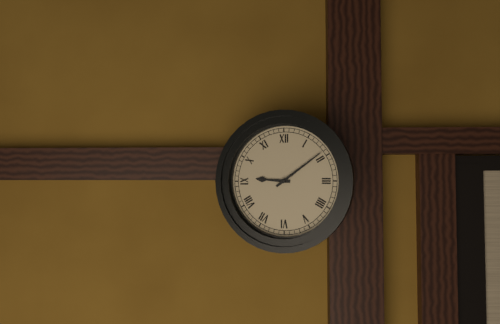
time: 9:09
